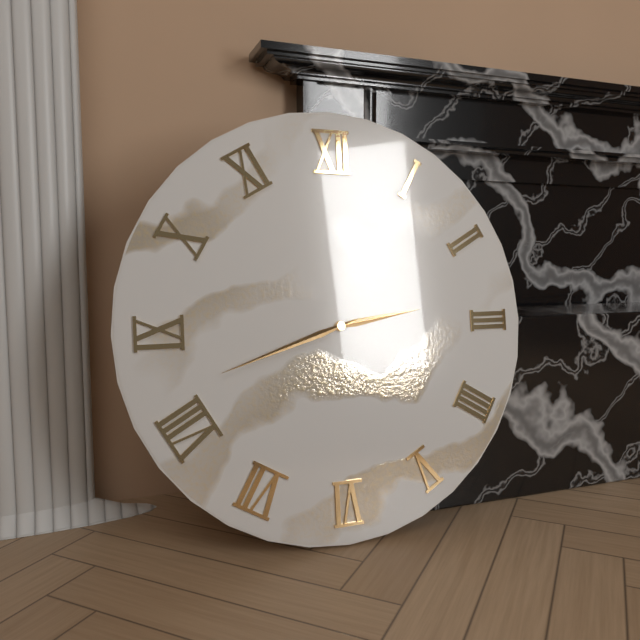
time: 2:42
